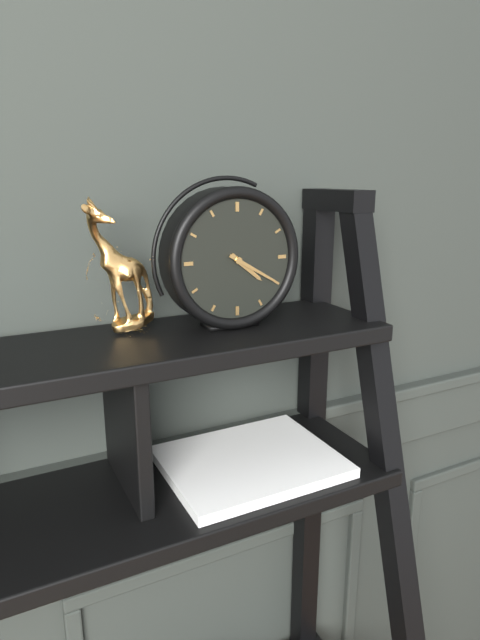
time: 4:20
